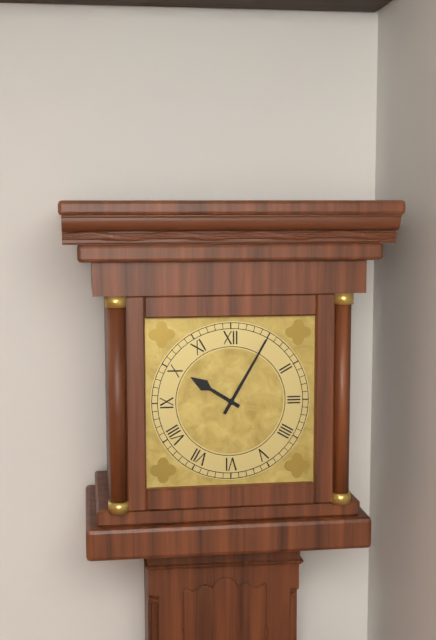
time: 10:05
